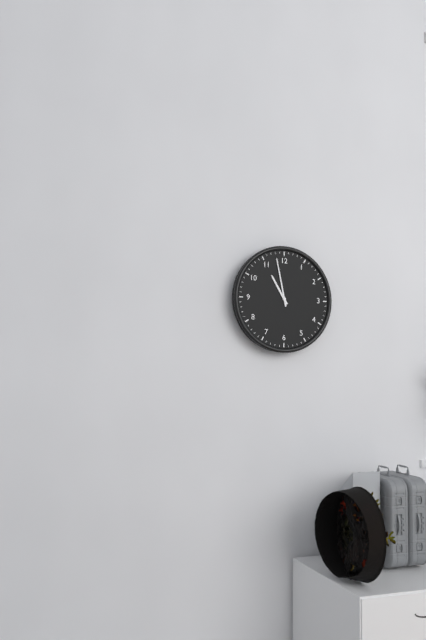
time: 10:58
